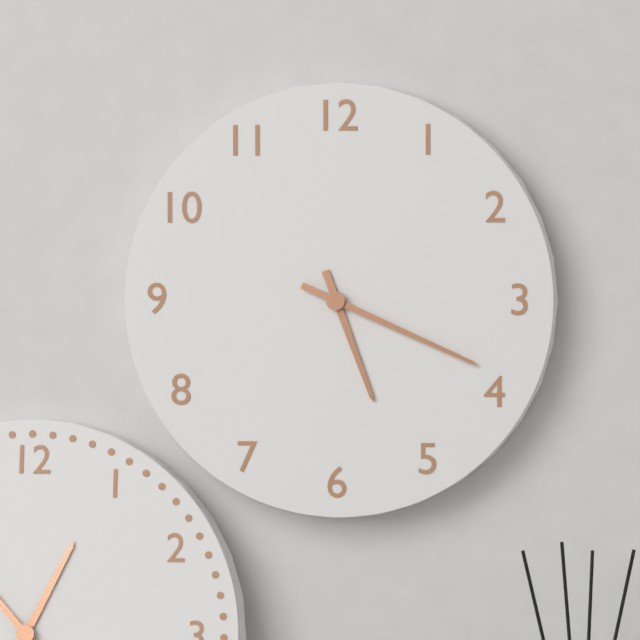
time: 5:19
